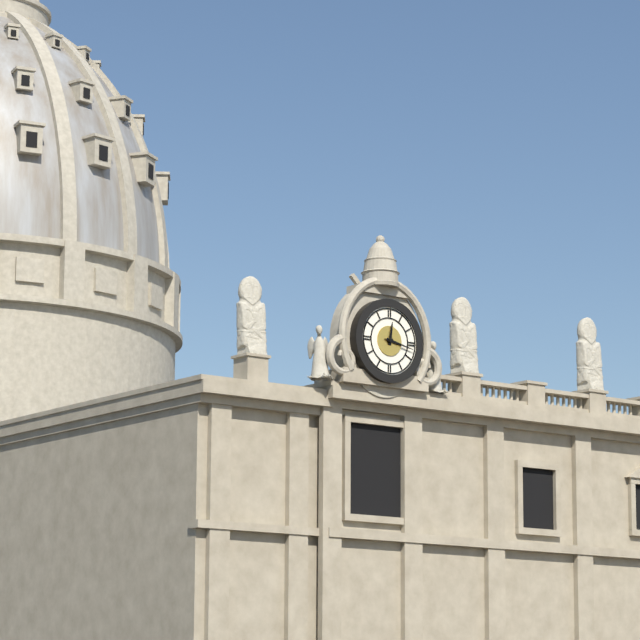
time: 12:17
